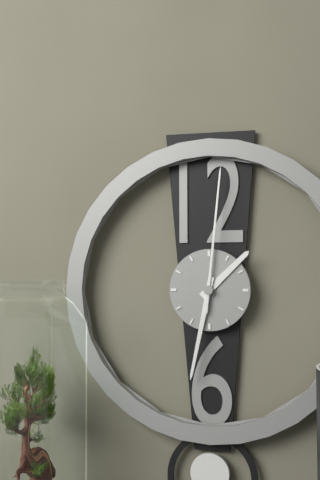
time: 1:32:01
